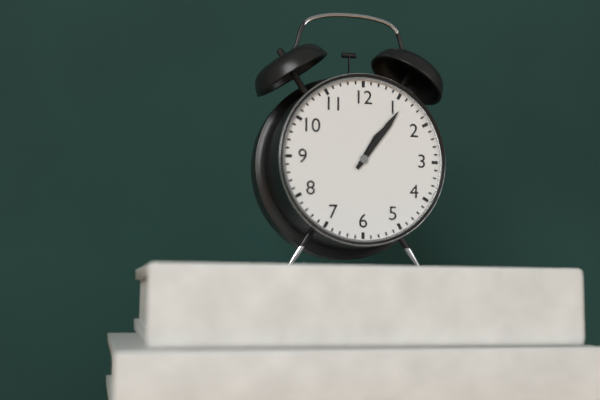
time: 1:06
